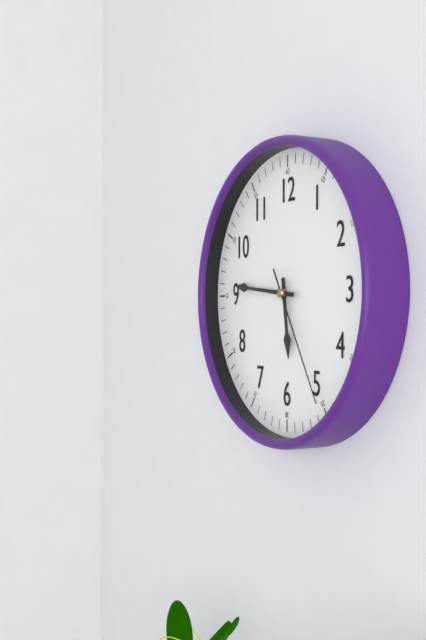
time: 5:46:25
